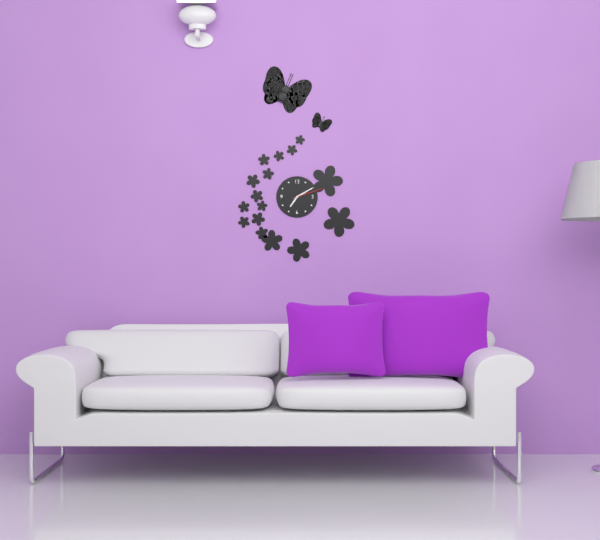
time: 7:10
